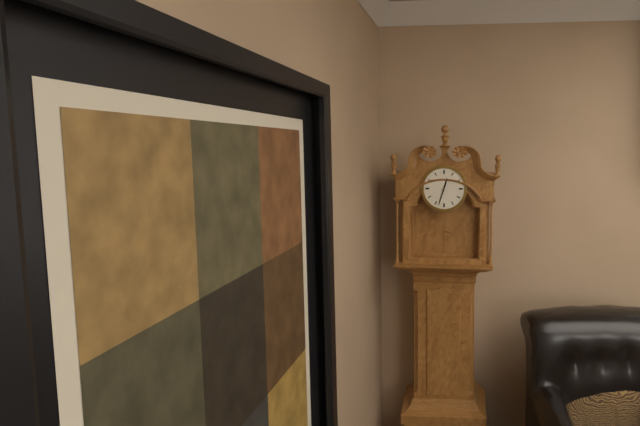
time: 12:33
